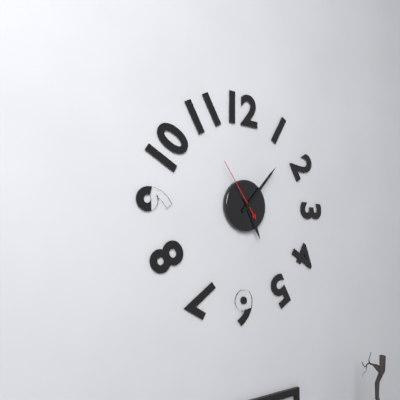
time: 5:07:54
